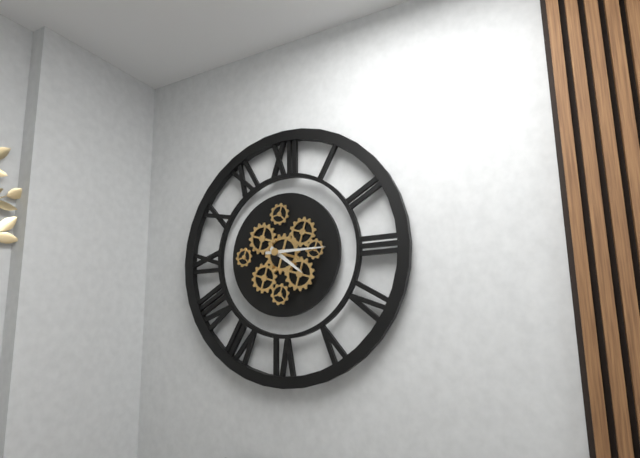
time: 4:15
